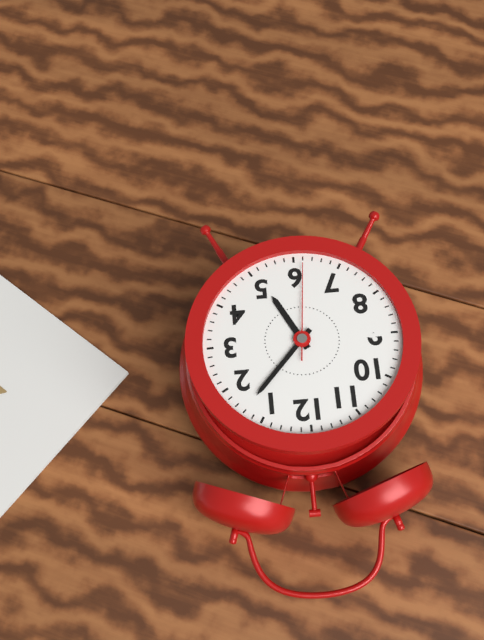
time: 5:07:31
